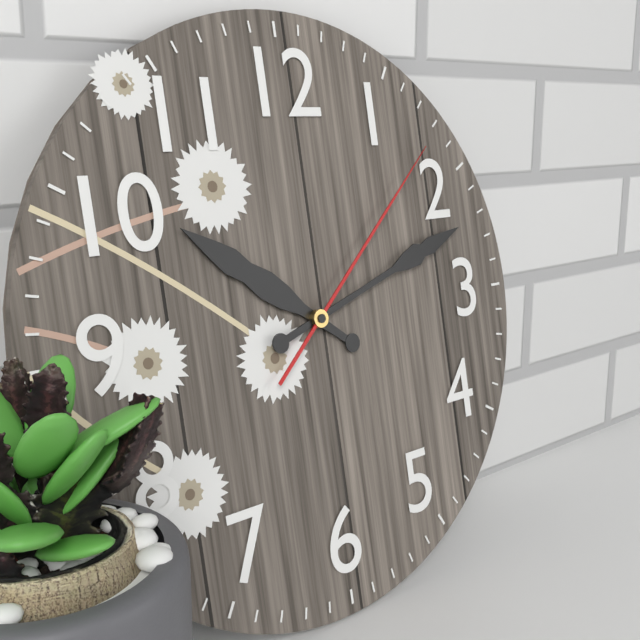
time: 10:12:08
